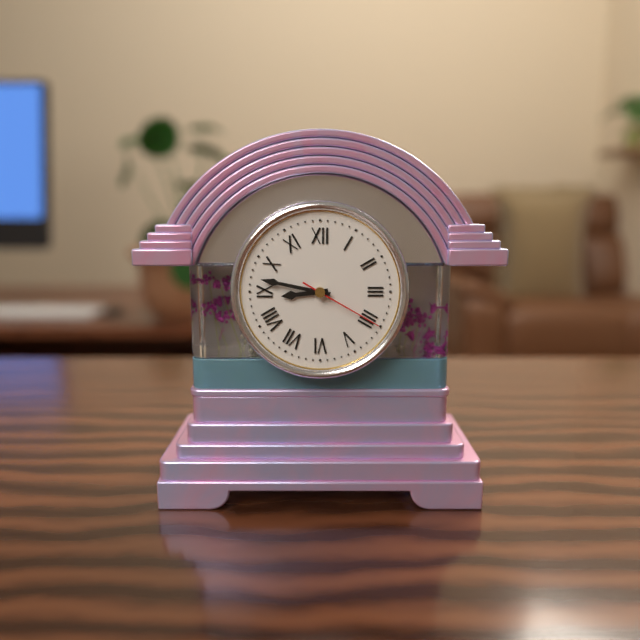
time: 8:47:20
